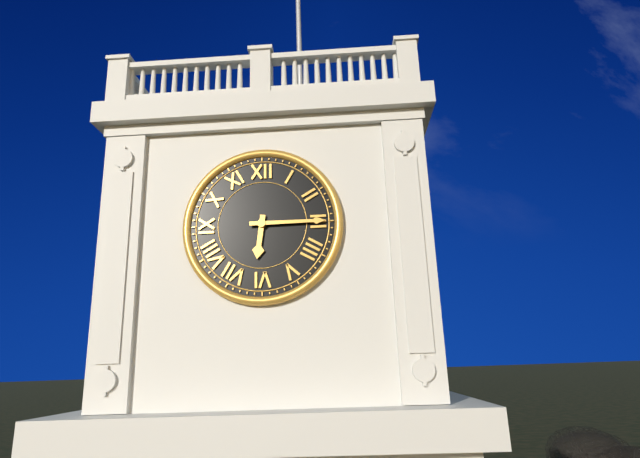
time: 6:15
